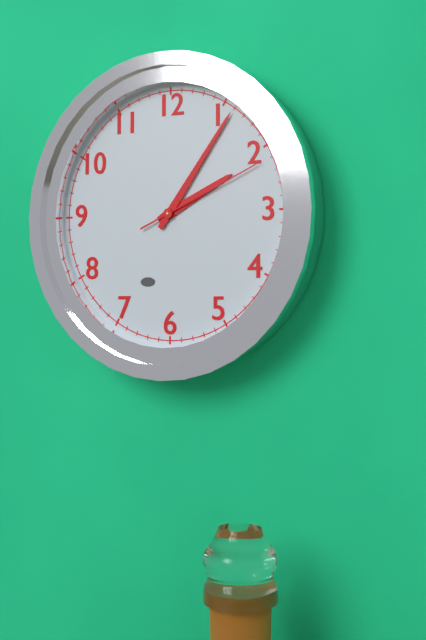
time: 2:06:11
